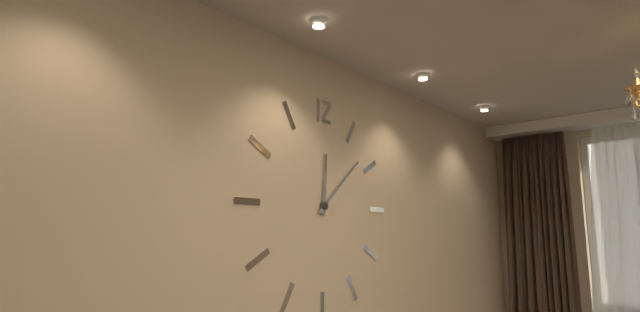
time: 12:08
